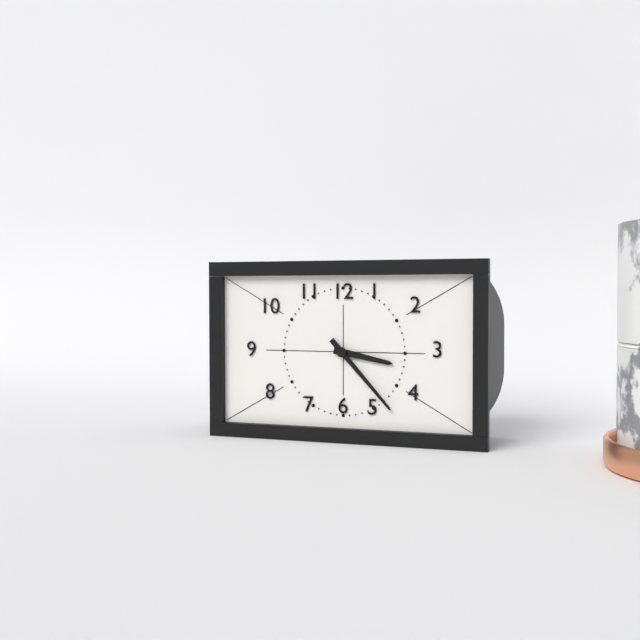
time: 3:23
